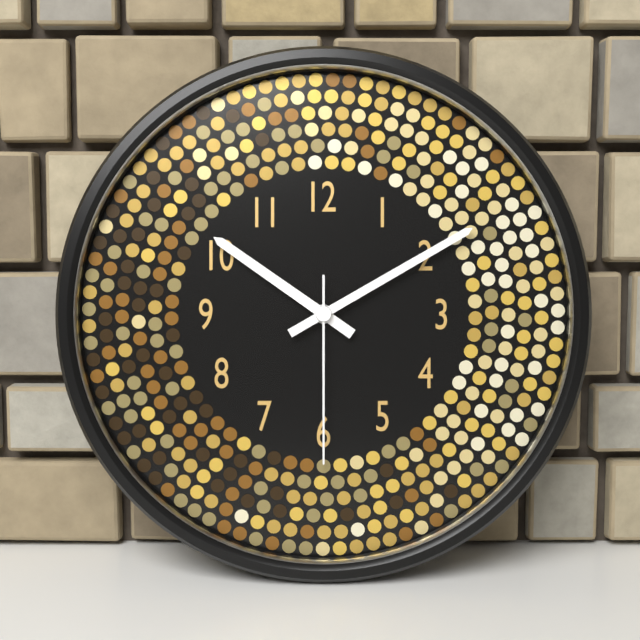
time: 10:10:30
